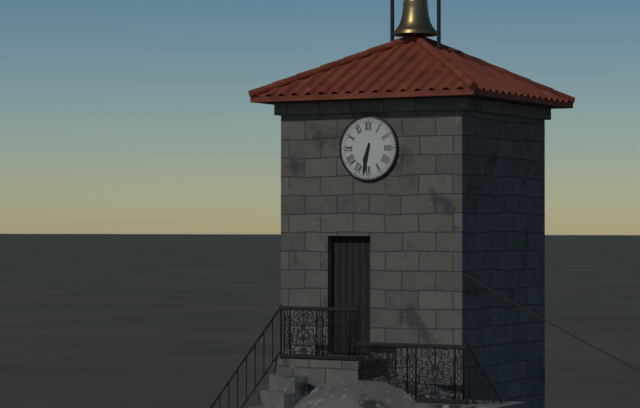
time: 6:32
